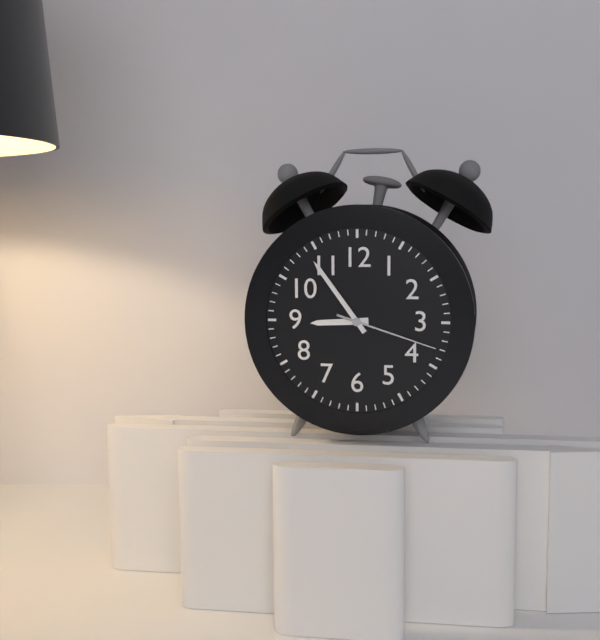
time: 8:54:18
